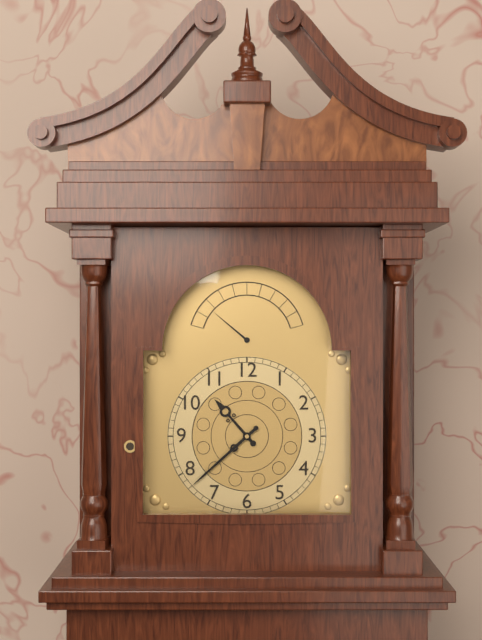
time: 10:38
